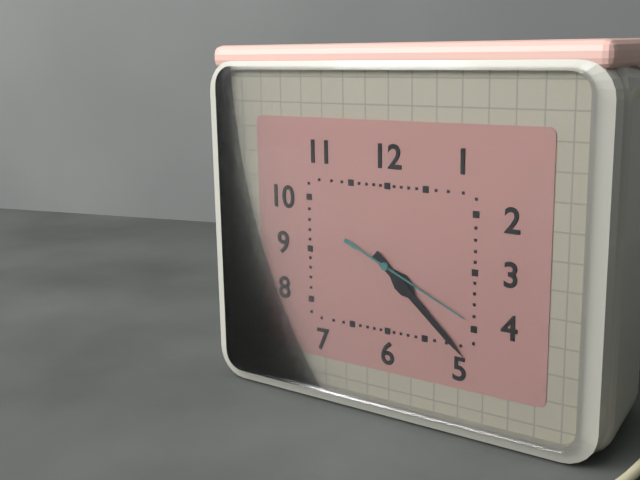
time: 4:22:19
